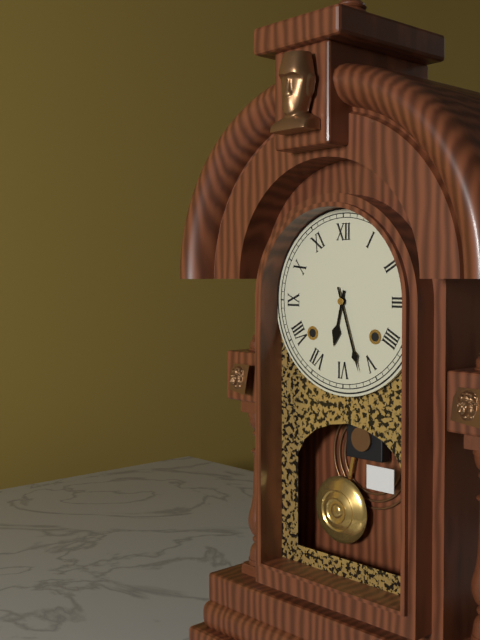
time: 6:27
